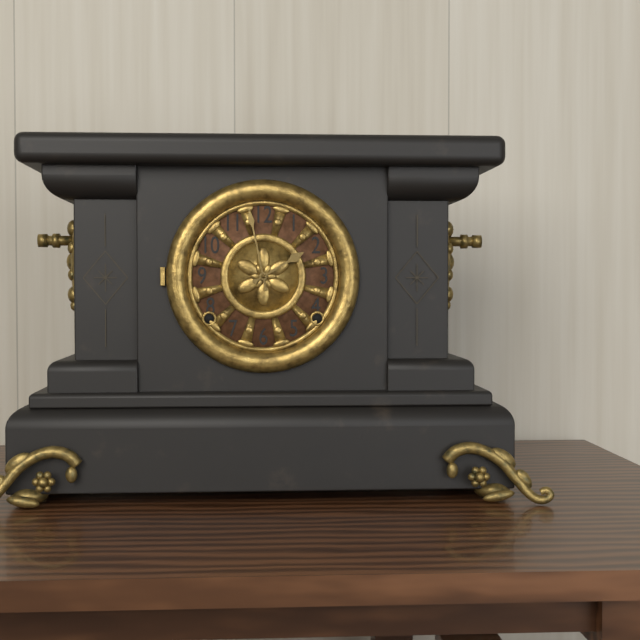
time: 1:58
